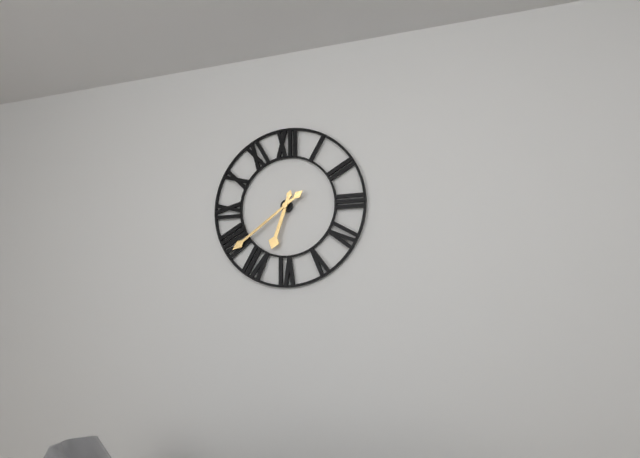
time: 6:39
